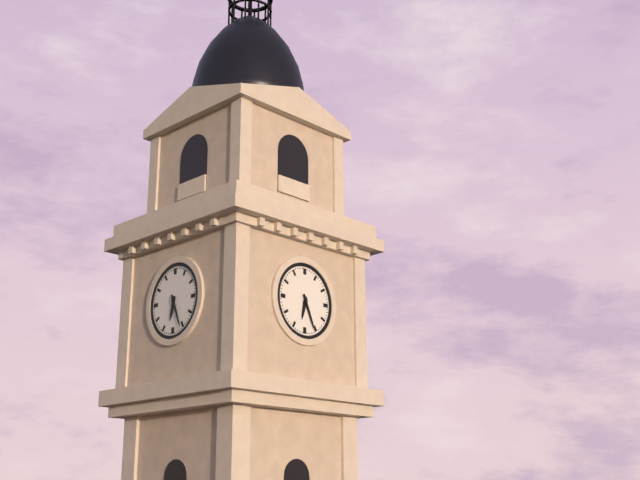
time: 6:26
